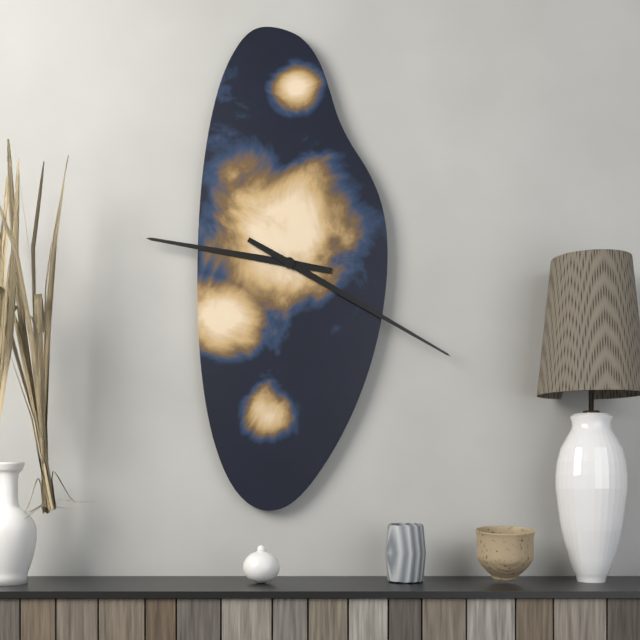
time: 9:20
